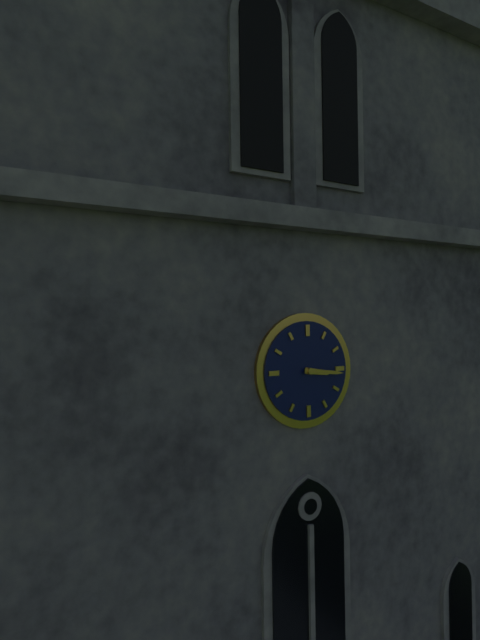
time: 3:16
